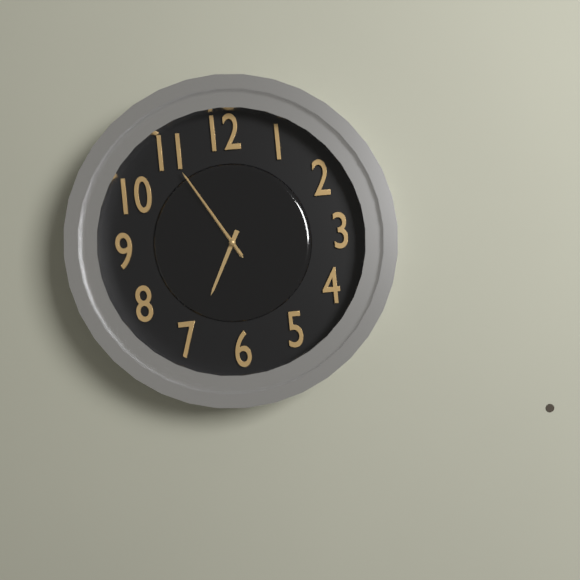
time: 6:55:55
